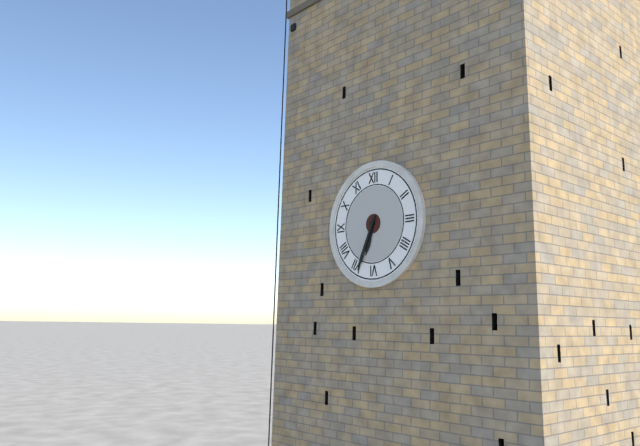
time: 6:34
